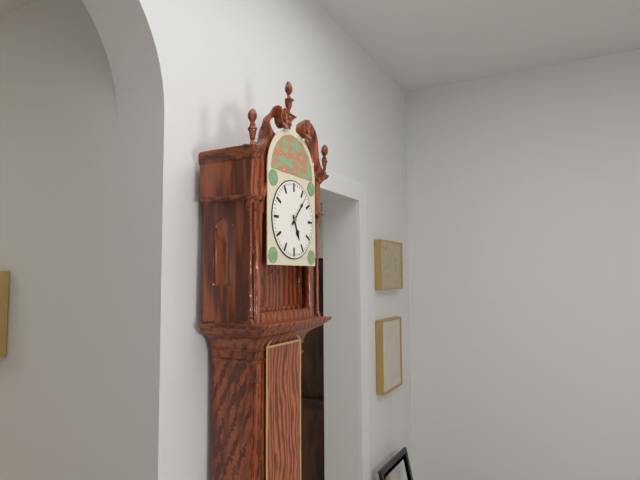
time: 5:07
